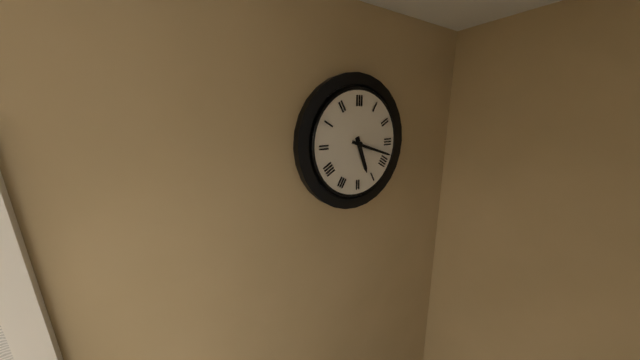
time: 5:18
